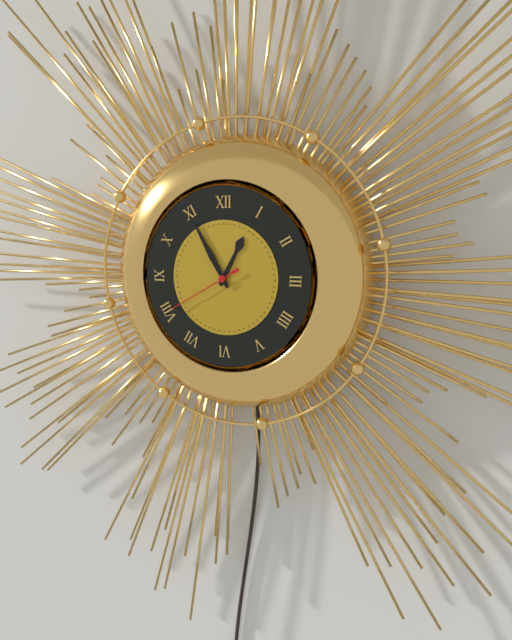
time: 12:55:40
